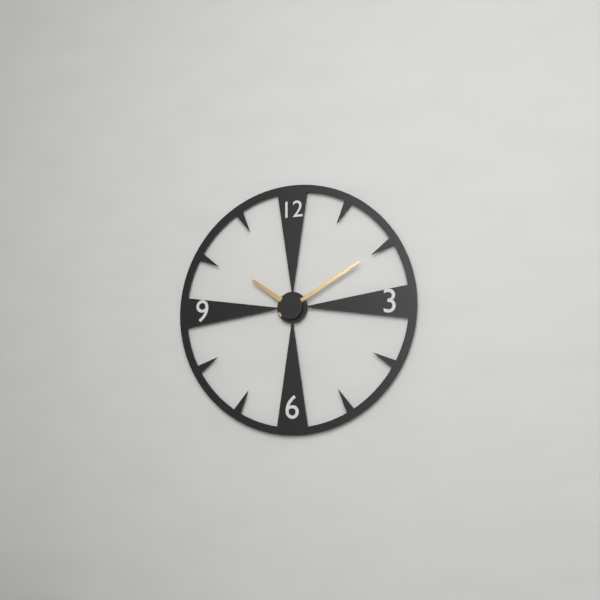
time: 10:10
